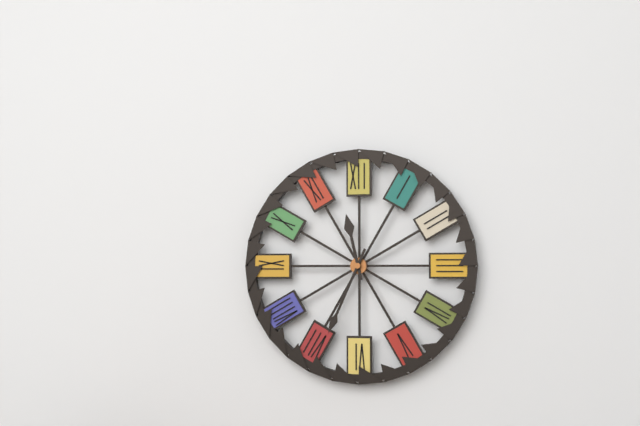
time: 11:34
